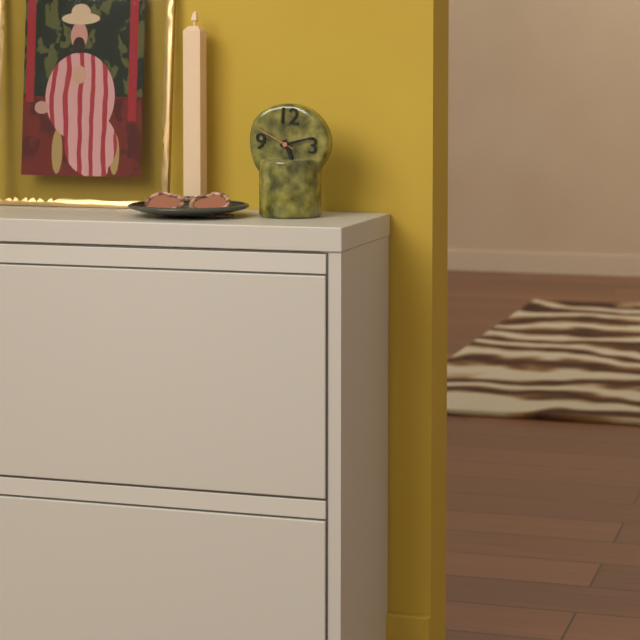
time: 5:12
